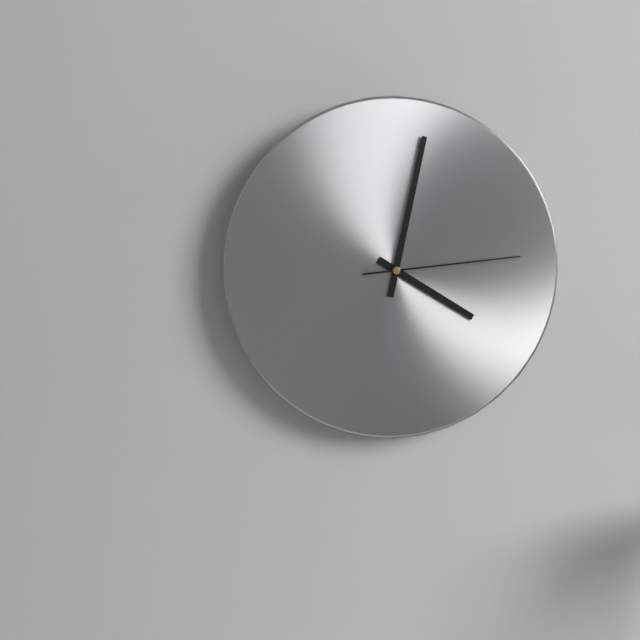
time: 4:02:14
